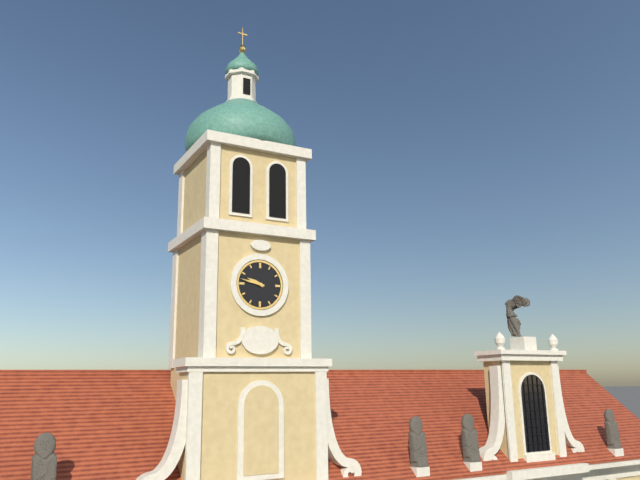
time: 9:47
